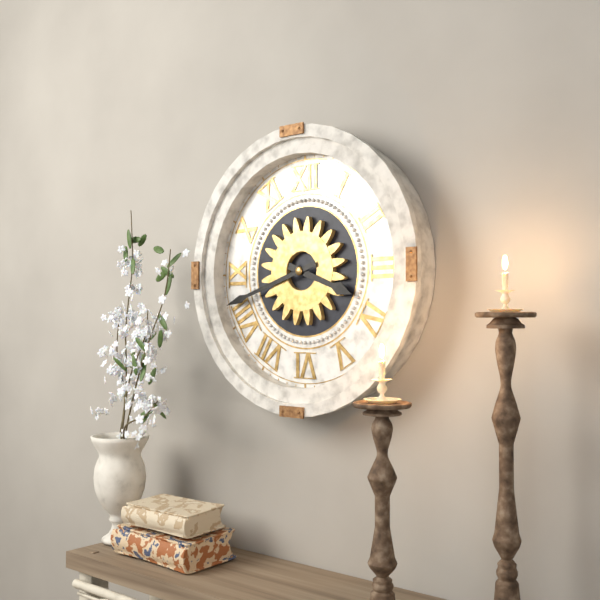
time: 3:42
